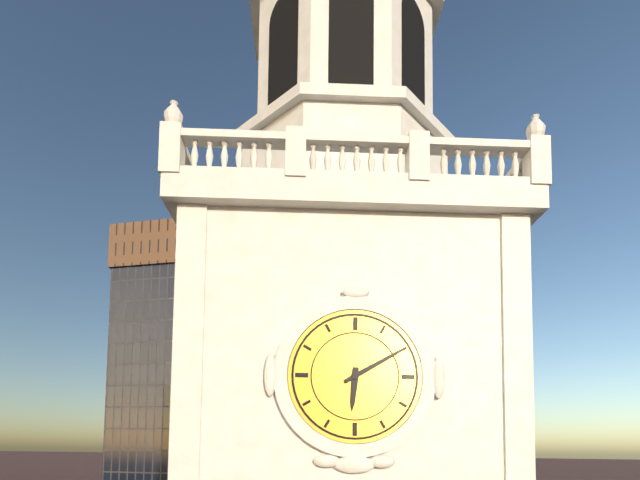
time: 6:10
